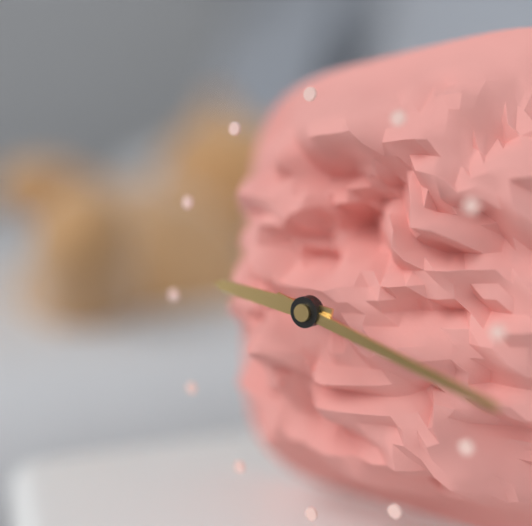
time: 9:18
